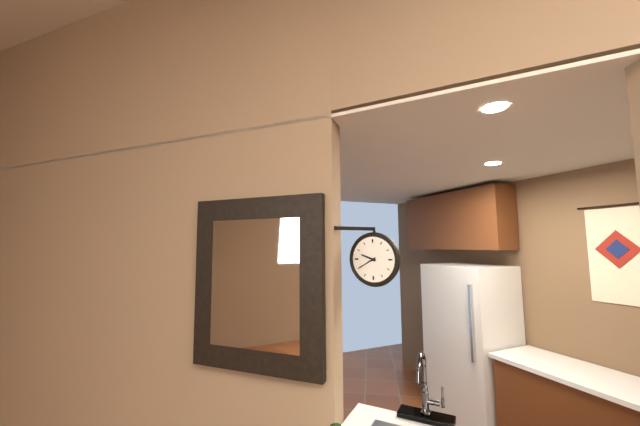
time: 9:40
